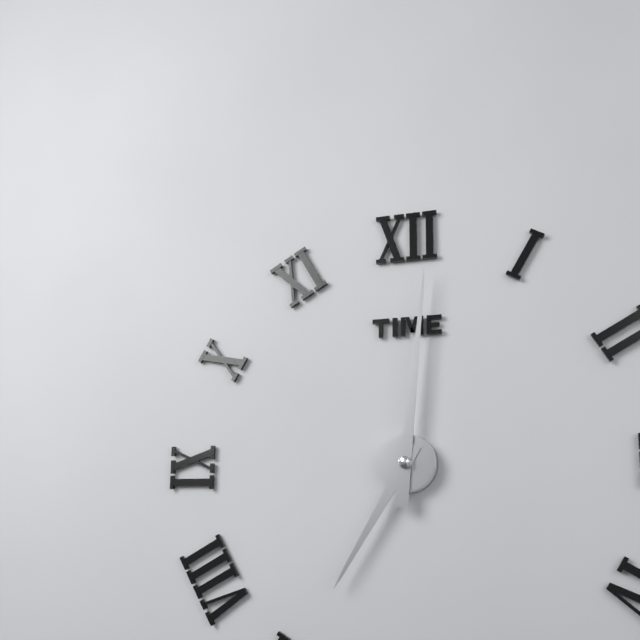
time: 7:01
